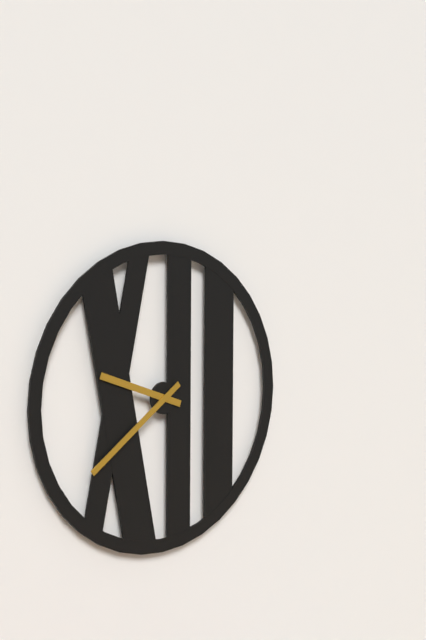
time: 9:39
